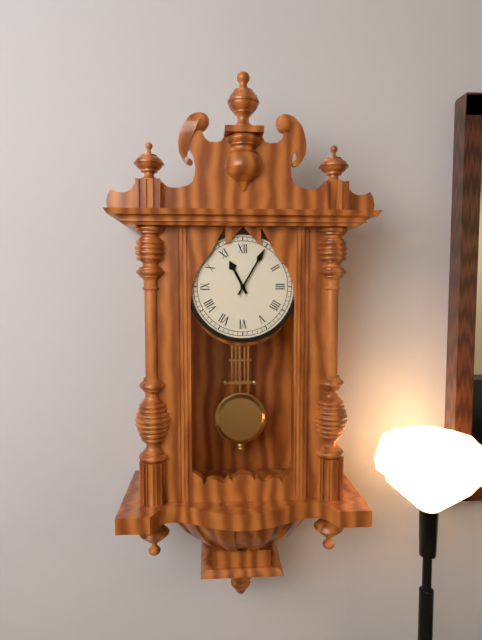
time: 11:05
